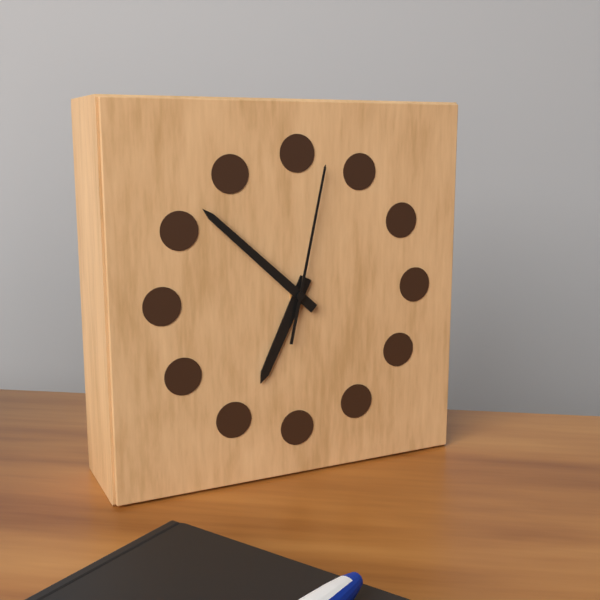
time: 6:52:02
